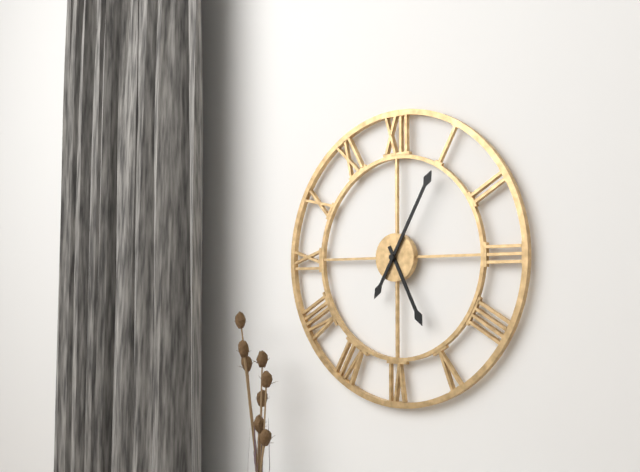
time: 5:05
